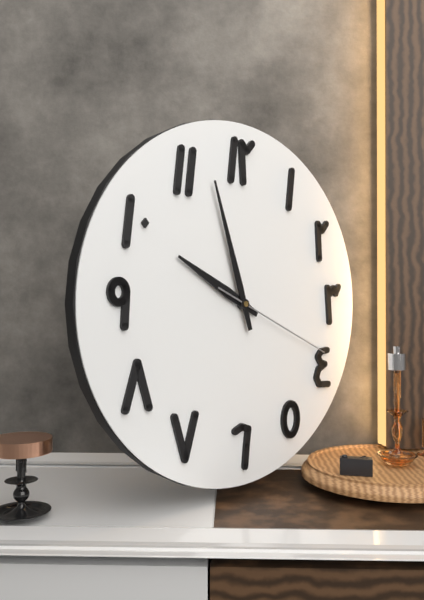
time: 9:57:19
